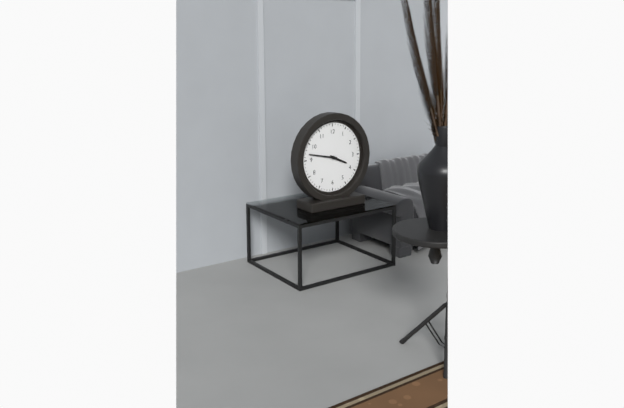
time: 3:47
